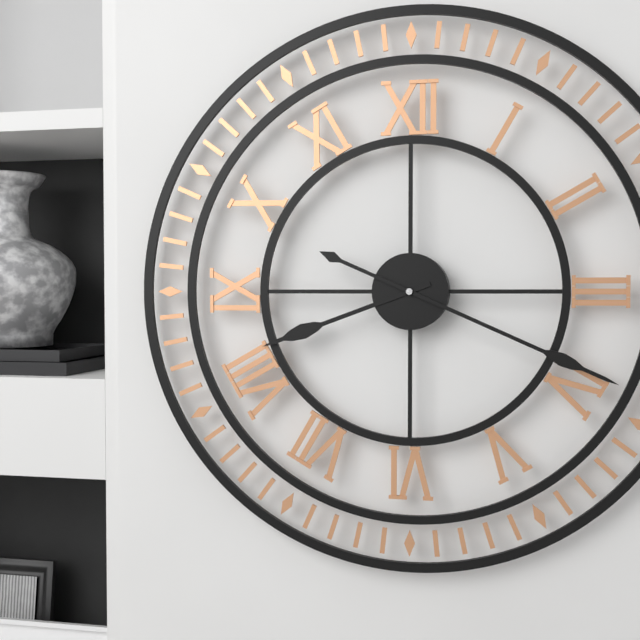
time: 8:19
